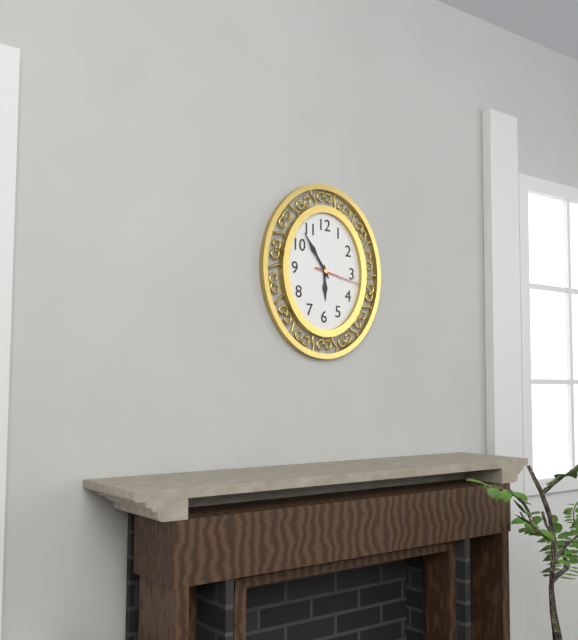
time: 5:54:17
